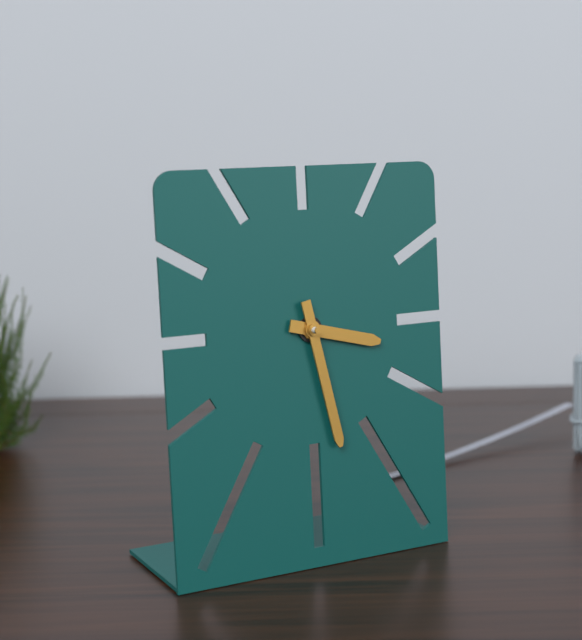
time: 3:28
